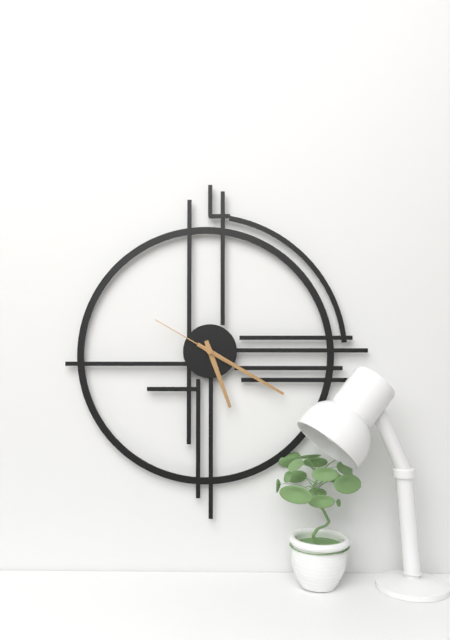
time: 5:20:50
